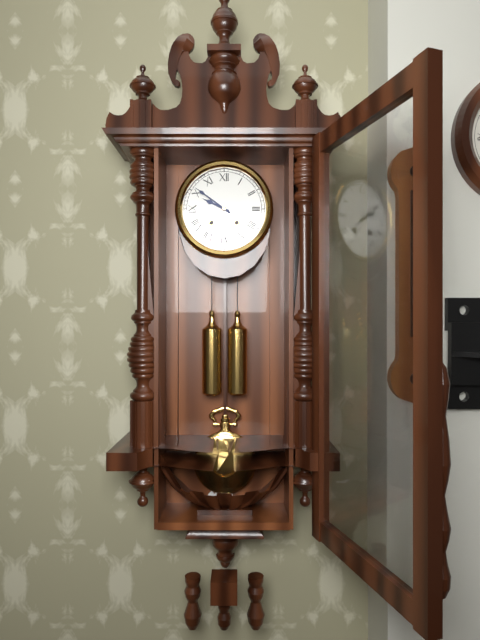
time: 9:51
